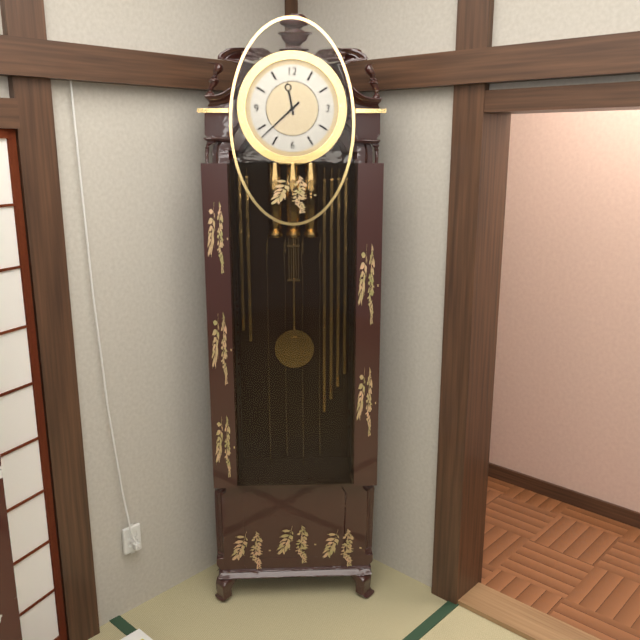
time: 11:38
